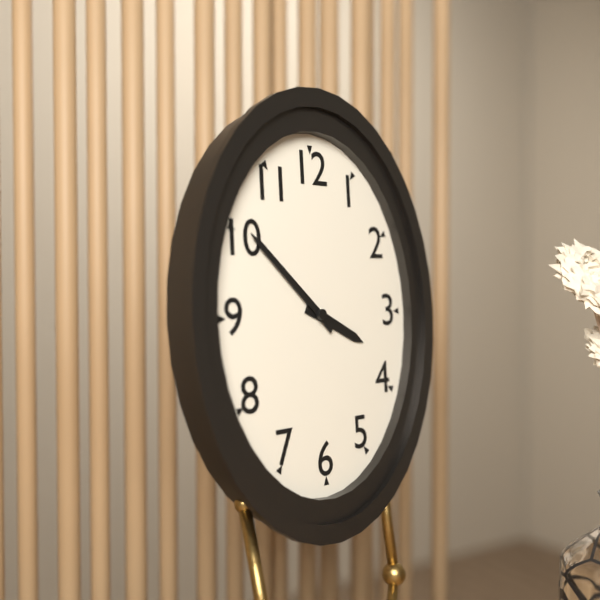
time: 3:52
